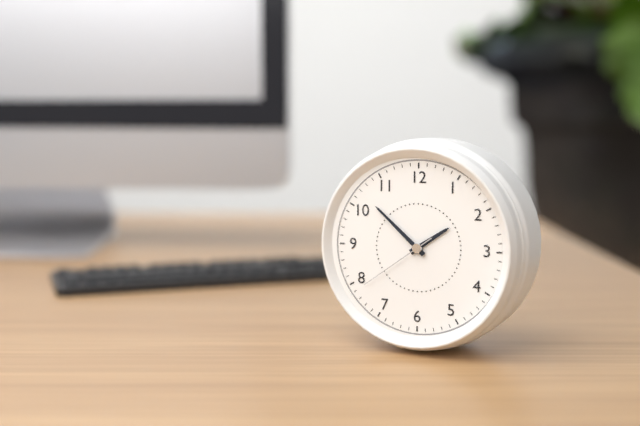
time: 1:52:39
